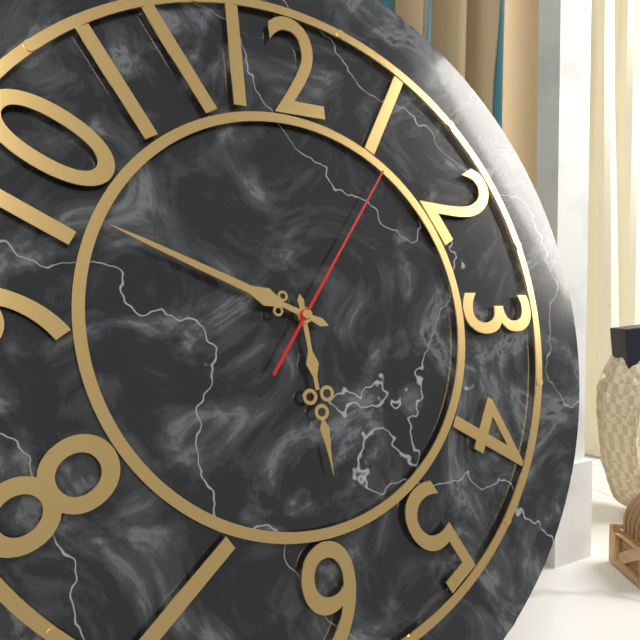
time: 5:49:06
